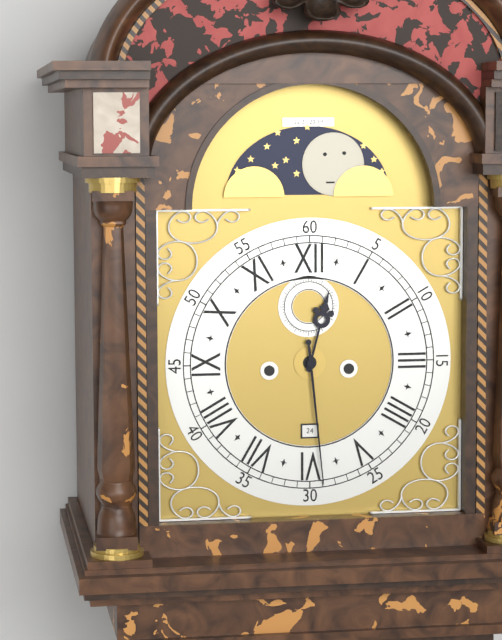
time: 12:29
